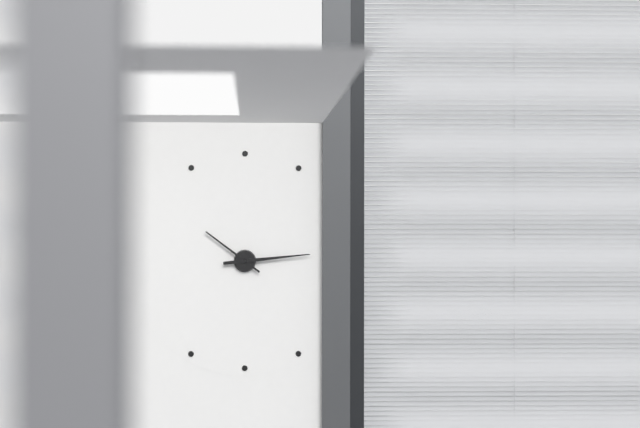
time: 10:14
